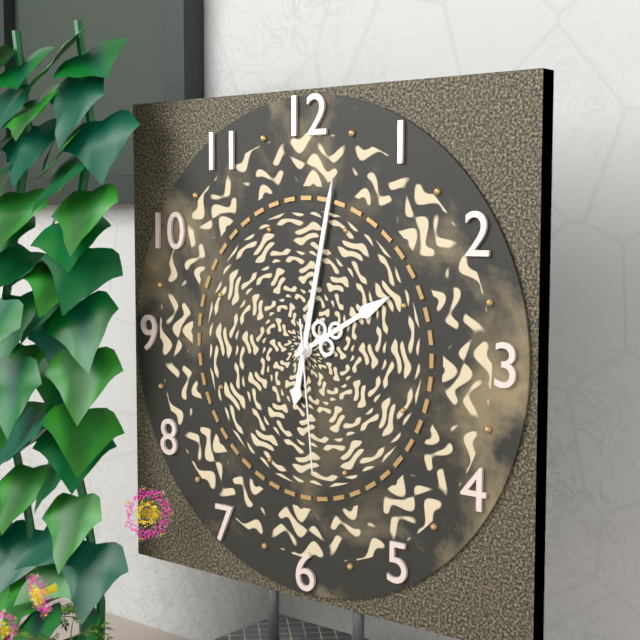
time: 2:02:29
